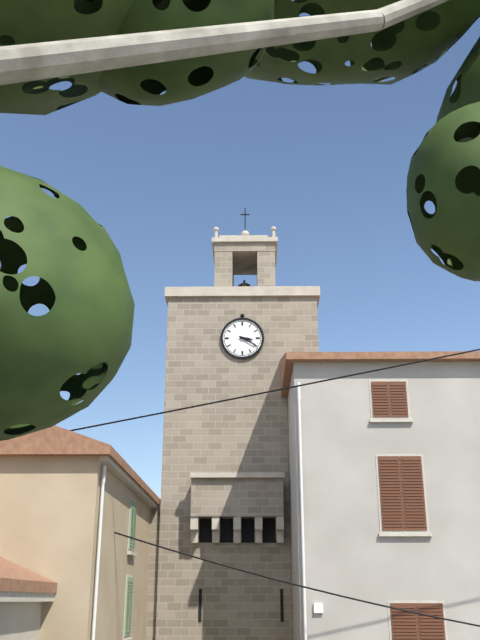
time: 3:20
